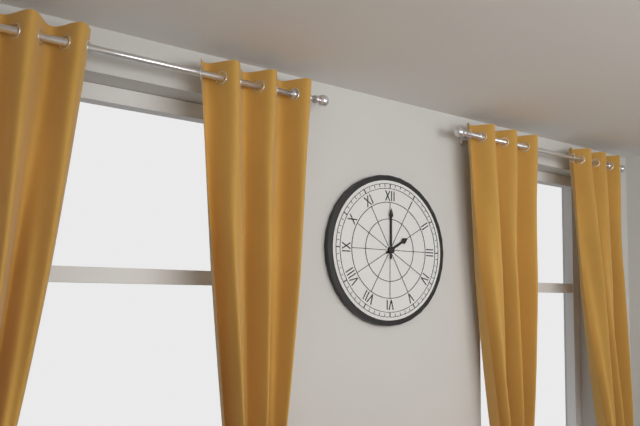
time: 2:00
